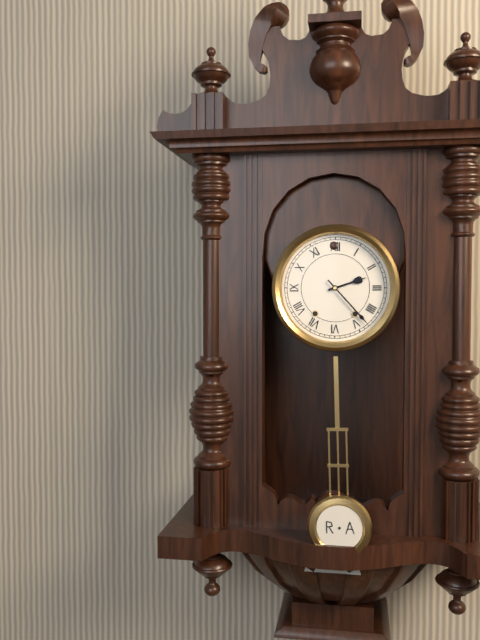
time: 2:23
